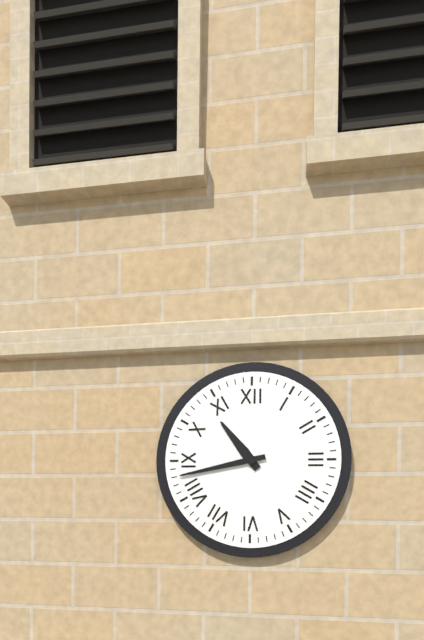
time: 10:43
